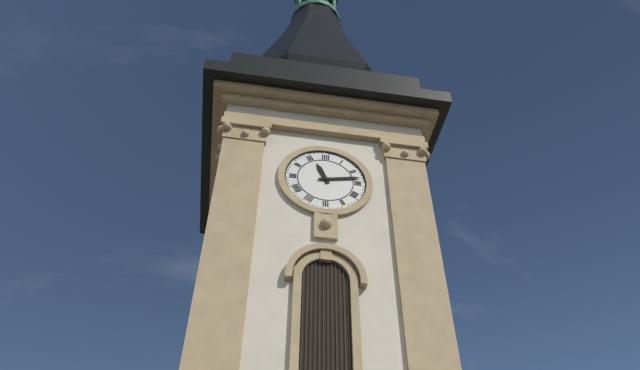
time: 11:13
